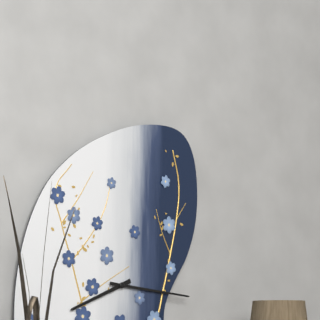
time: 8:16
